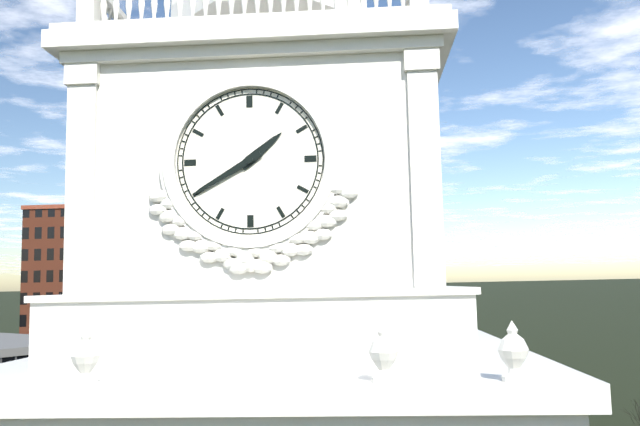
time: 1:40
